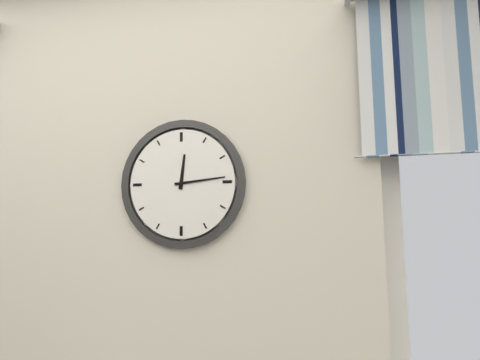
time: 12:14
